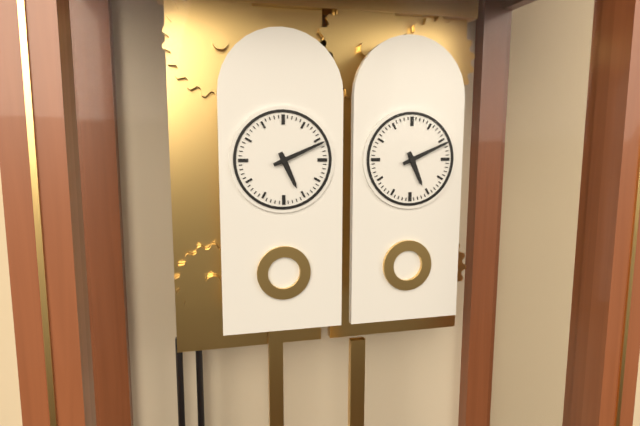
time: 5:11
